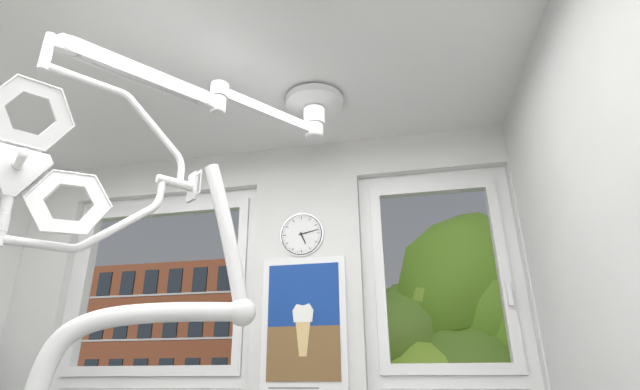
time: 5:13
